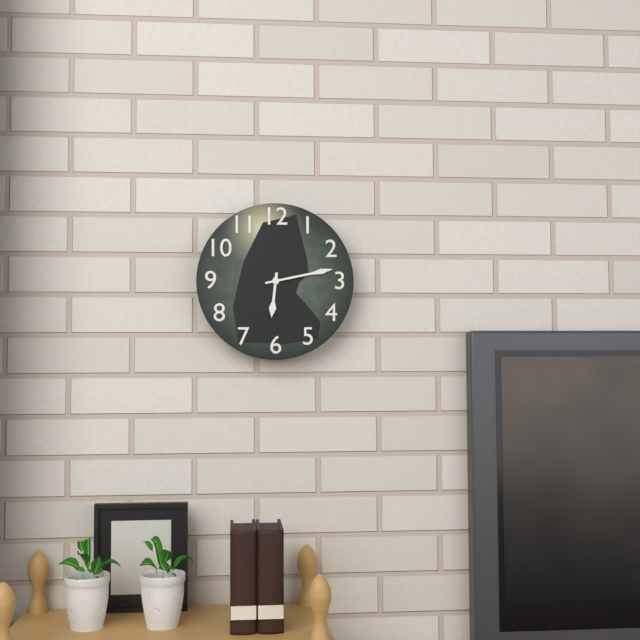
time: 6:13
